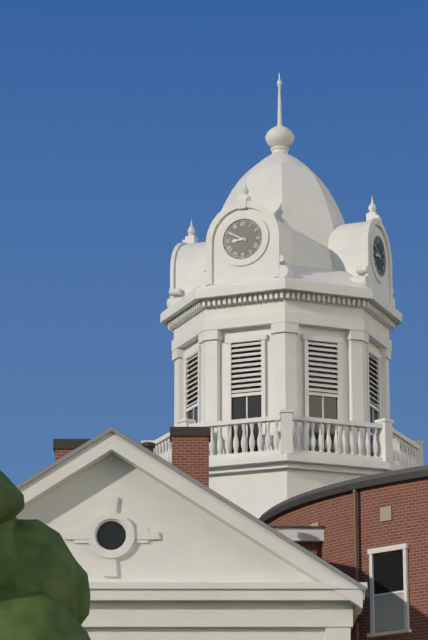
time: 8:50
